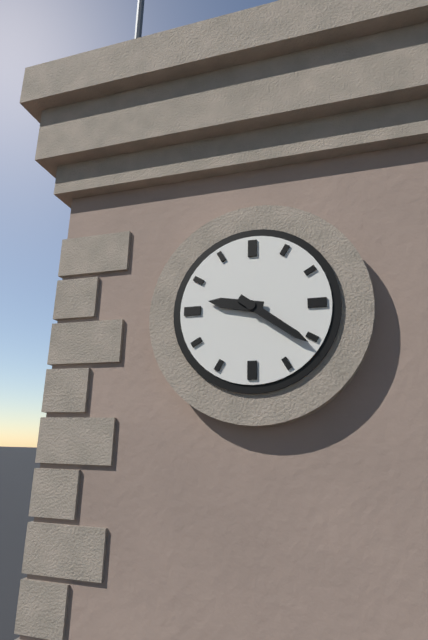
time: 9:21
